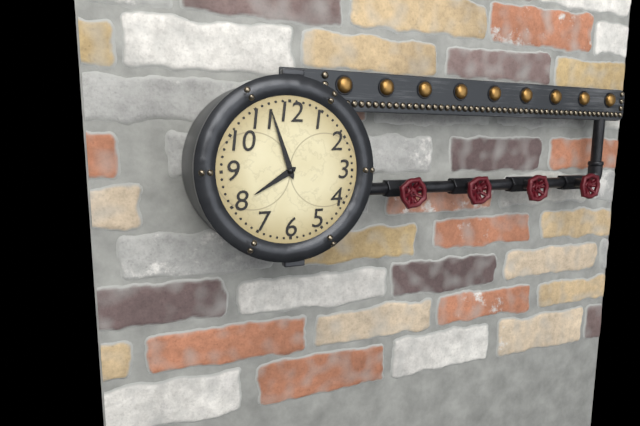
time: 7:57
